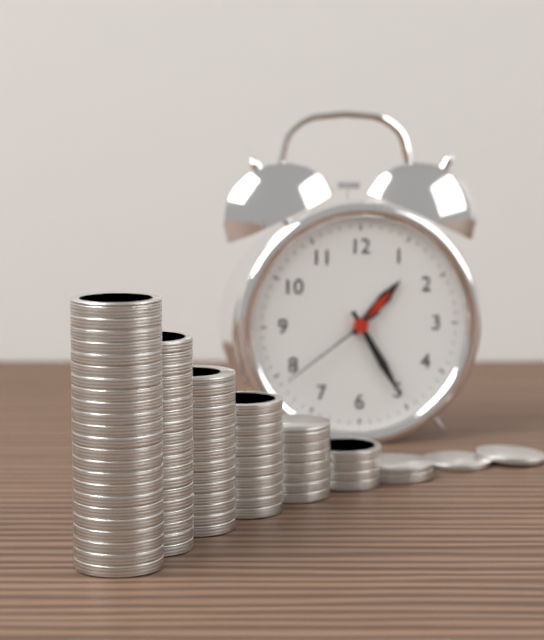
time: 1:25:39
